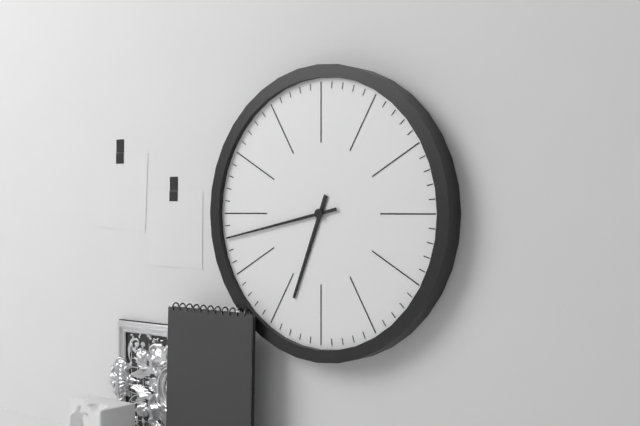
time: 6:43
